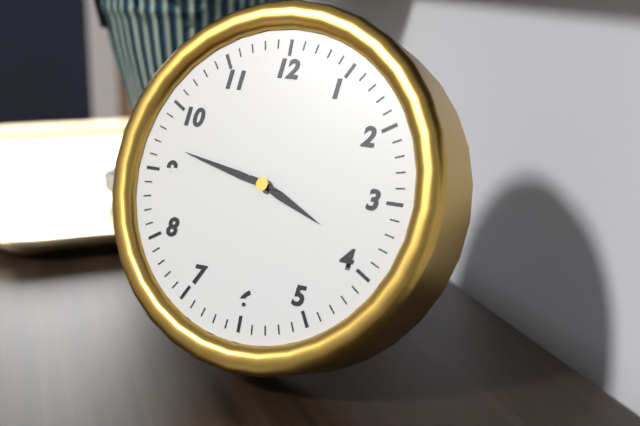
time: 3:47
